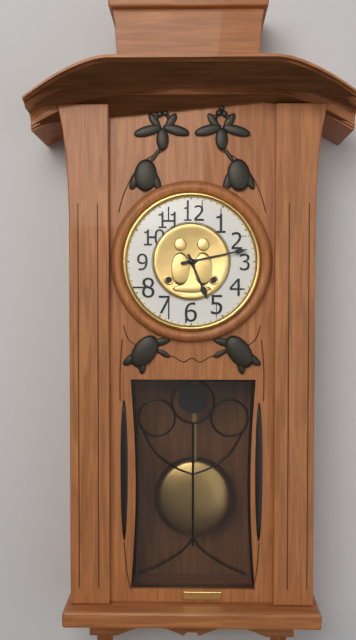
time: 5:13
